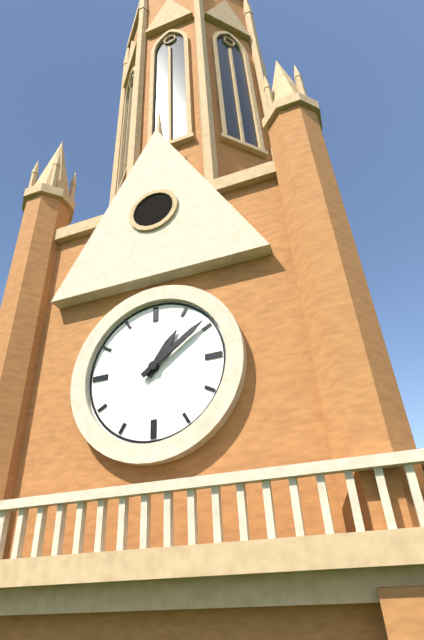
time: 1:09
